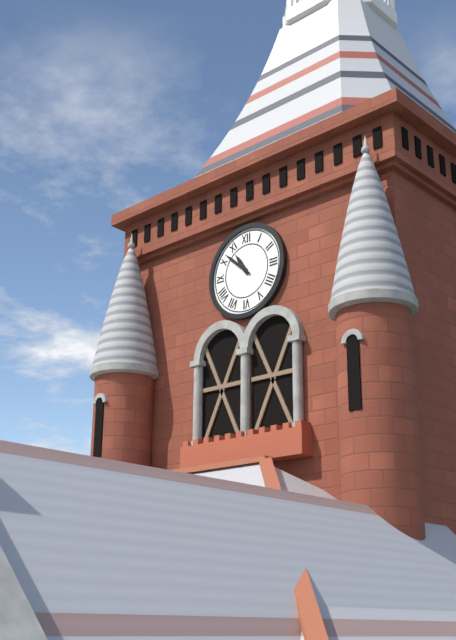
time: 10:52
